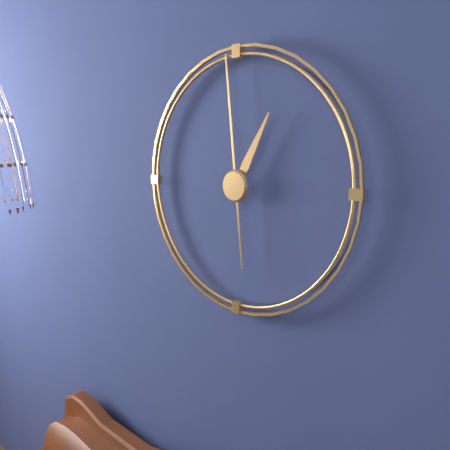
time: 12:59
